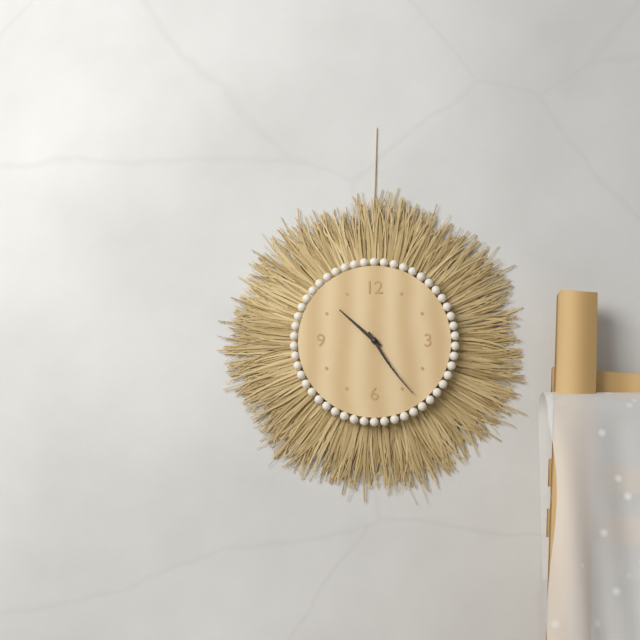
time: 10:24
